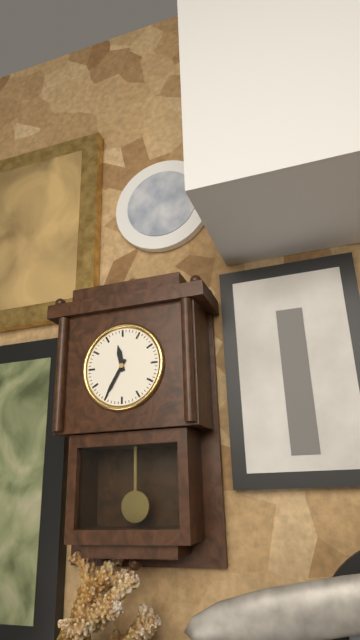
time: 11:35
